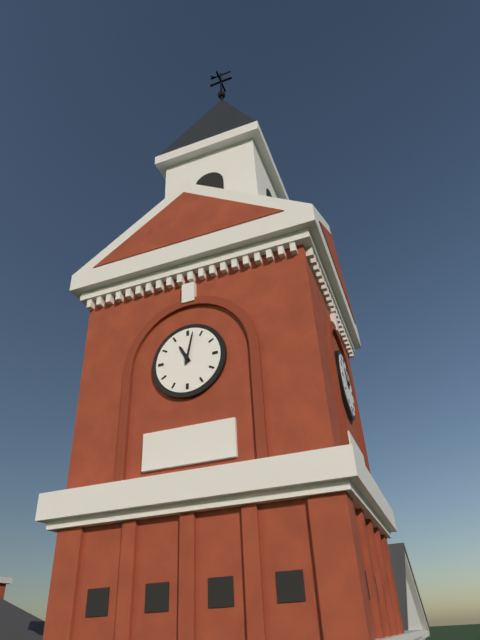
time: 11:02
